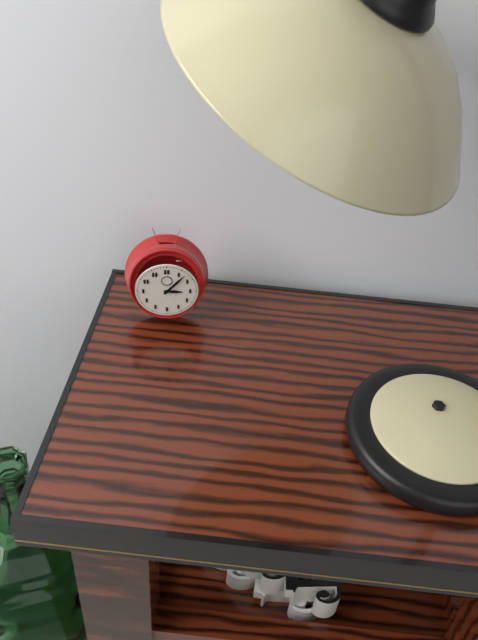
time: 3:07
